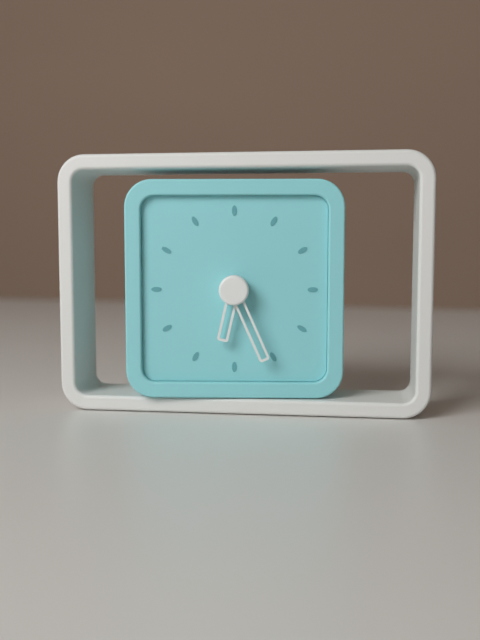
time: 6:26
